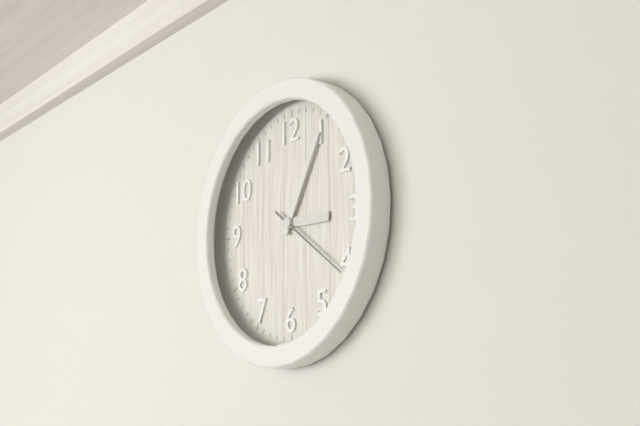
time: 3:05:21
